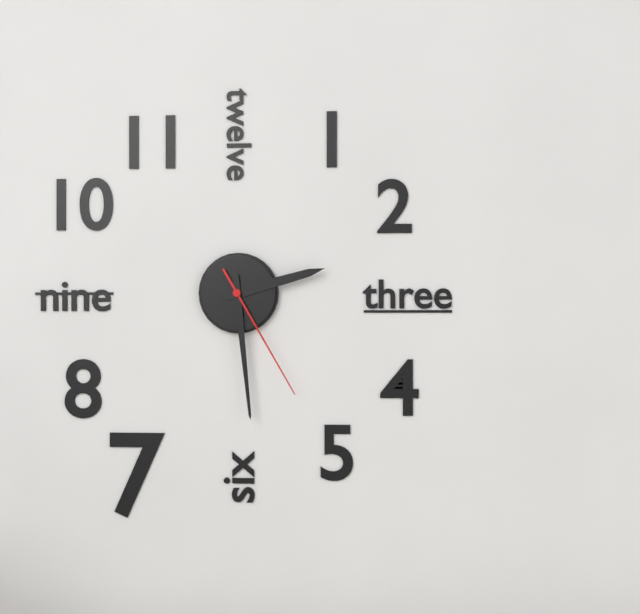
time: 2:29:25
